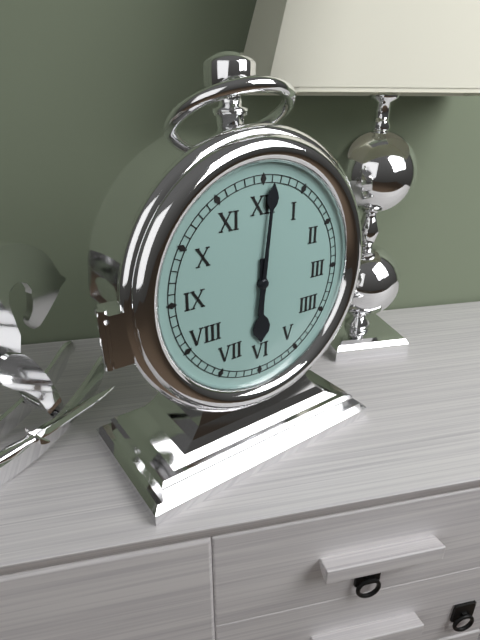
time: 6:01
